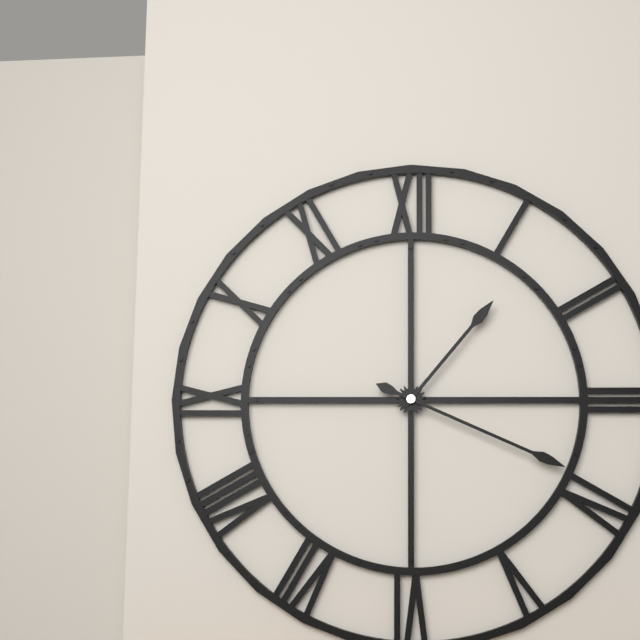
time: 1:19
